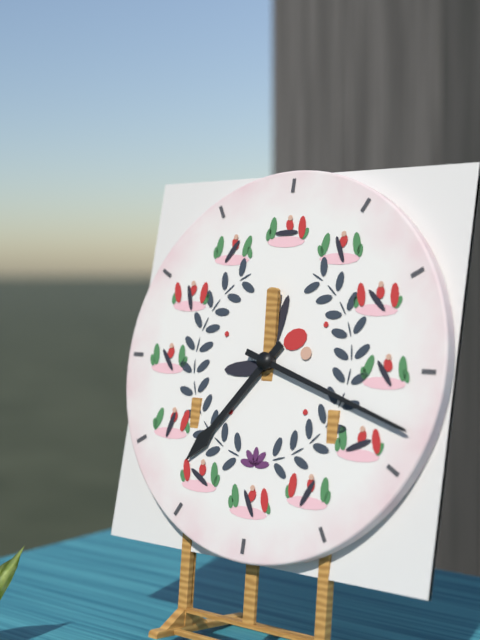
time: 7:18
